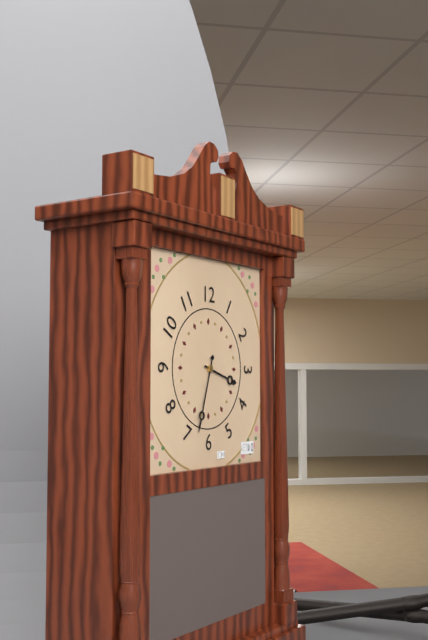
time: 3:33
